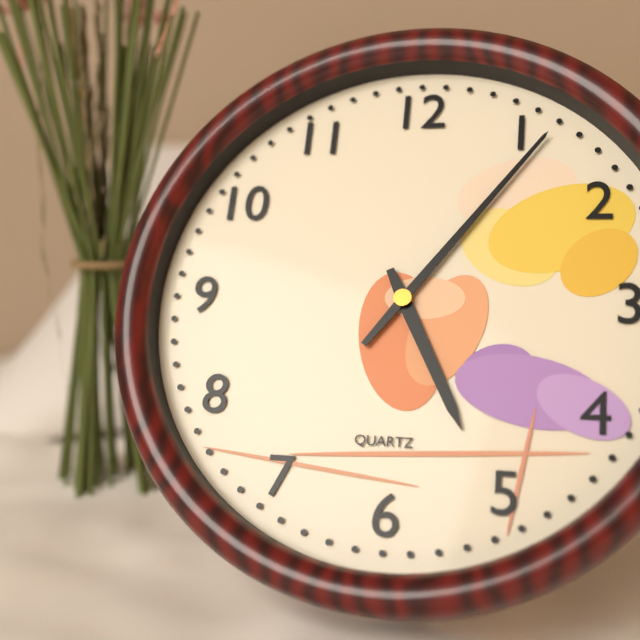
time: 5:06
